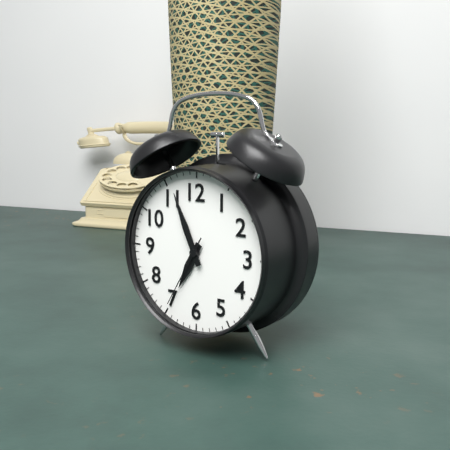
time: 6:56:35
